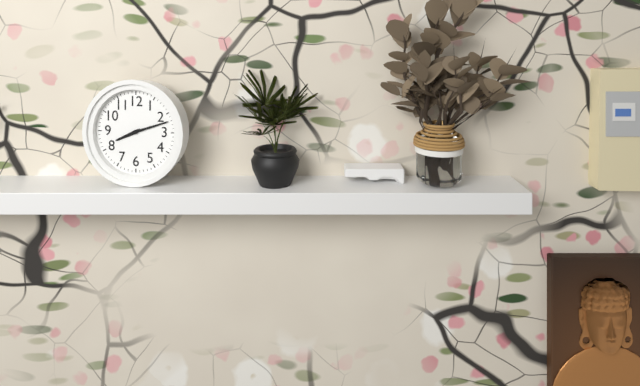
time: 8:12
